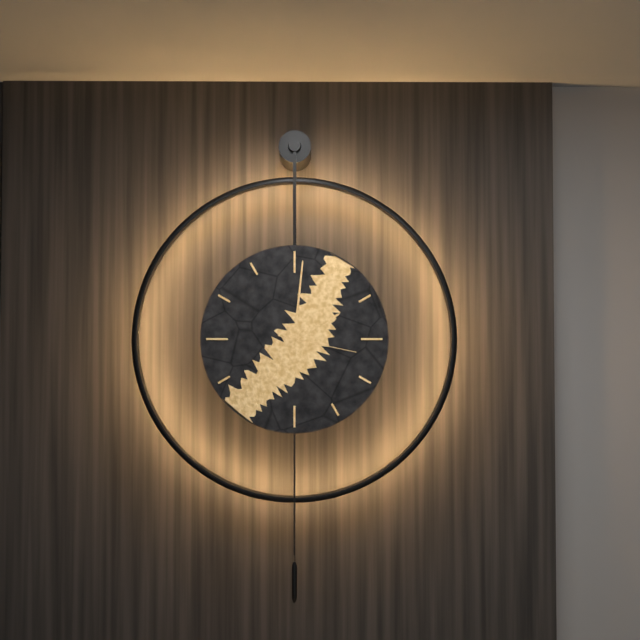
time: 2:01:17
